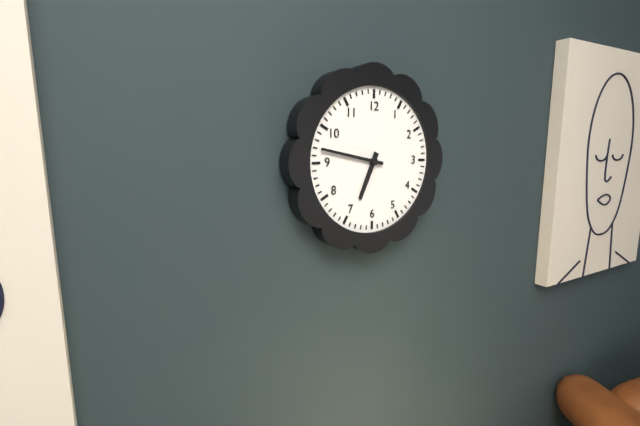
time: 6:47
